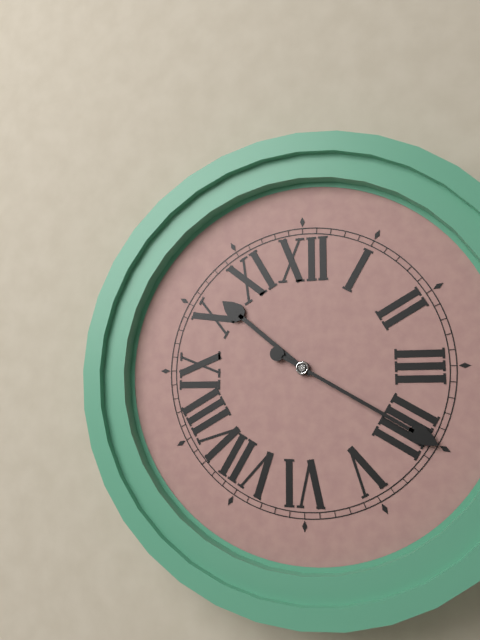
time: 10:20
